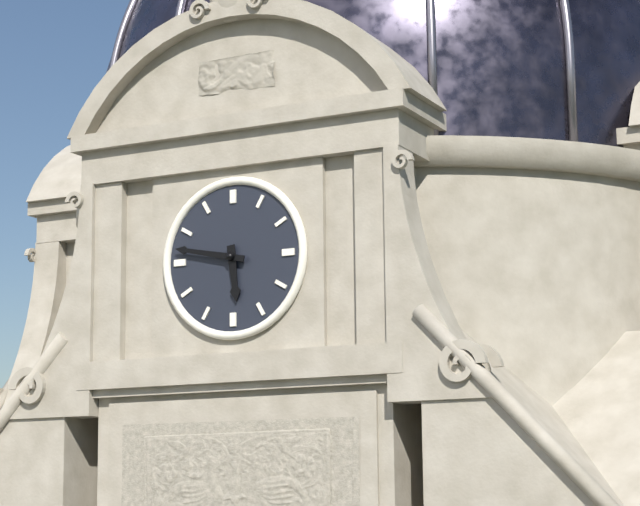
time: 5:47
